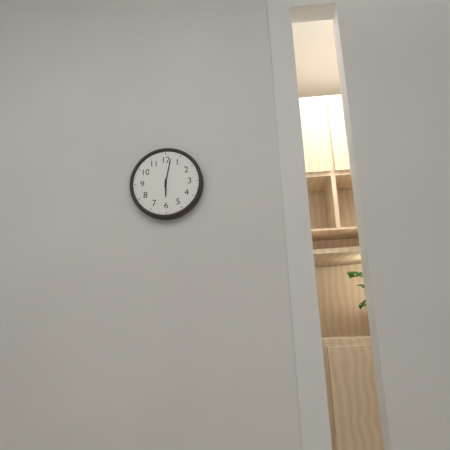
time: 6:02
